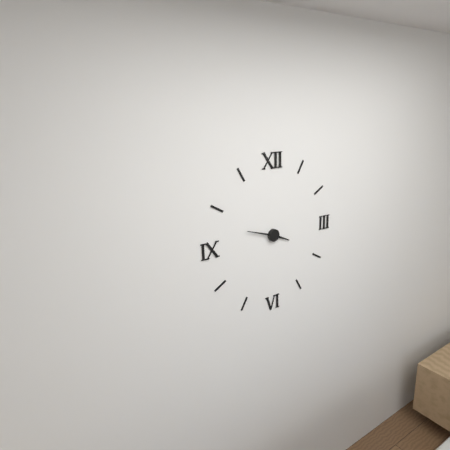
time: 3:48
